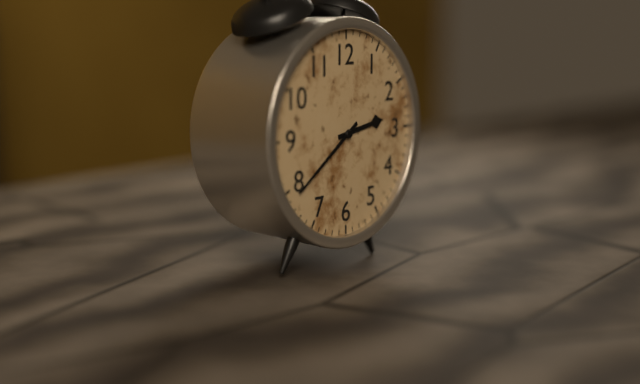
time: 2:39
